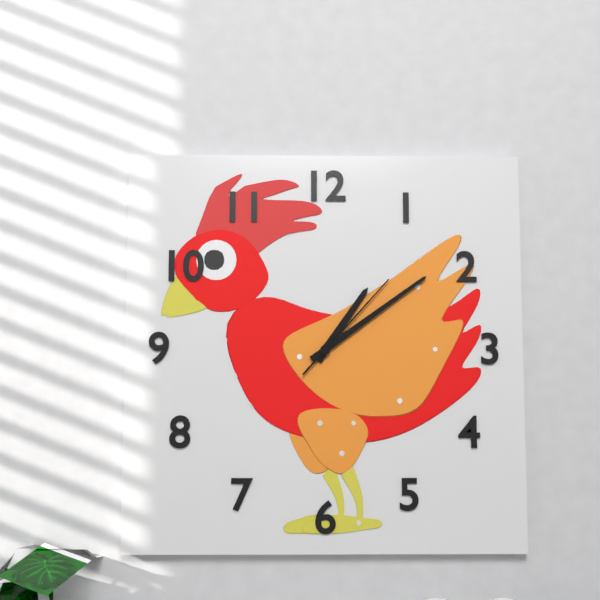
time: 1:09:07
